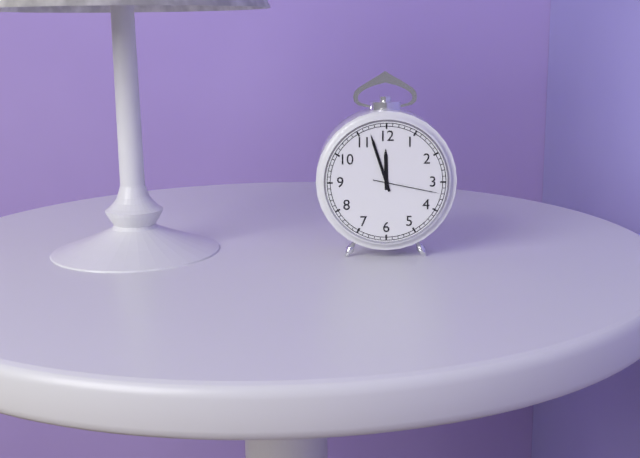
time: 11:57:17
